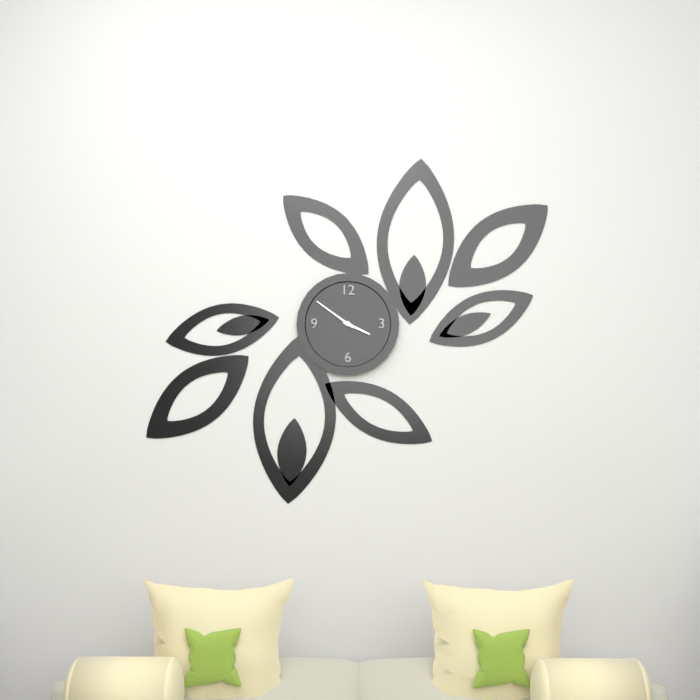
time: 3:51
